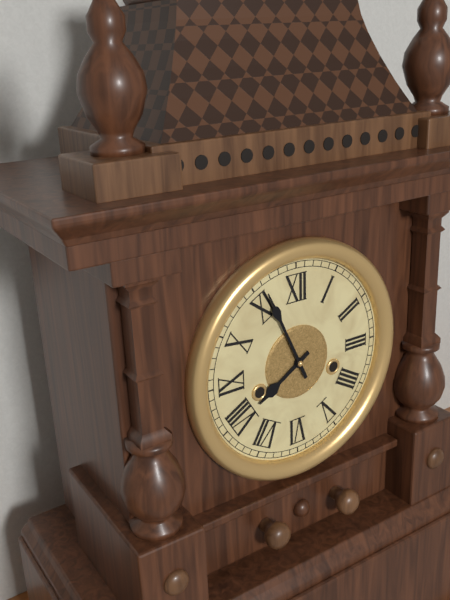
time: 7:56
